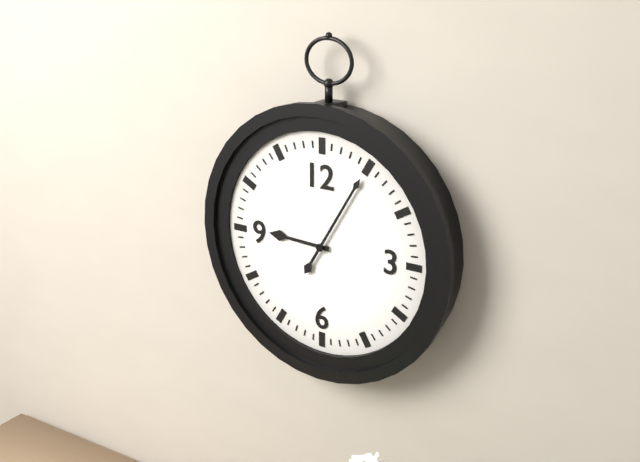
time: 9:05
